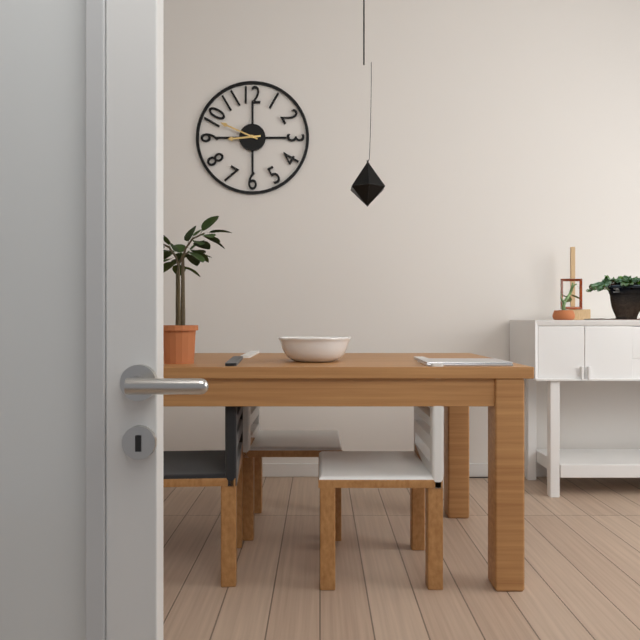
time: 8:49
